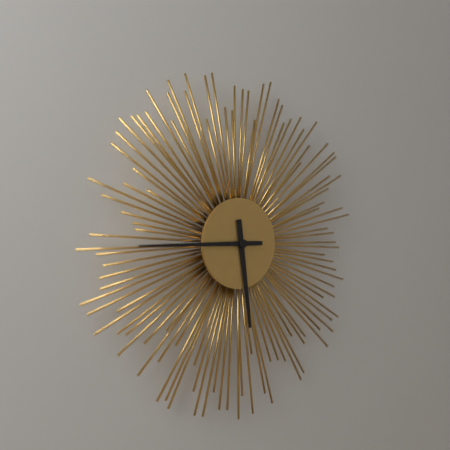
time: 5:45
